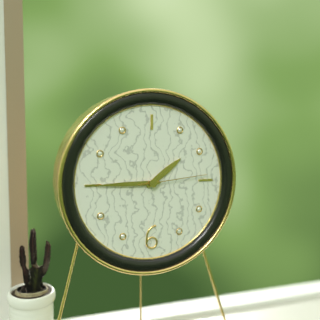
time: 1:45:14
